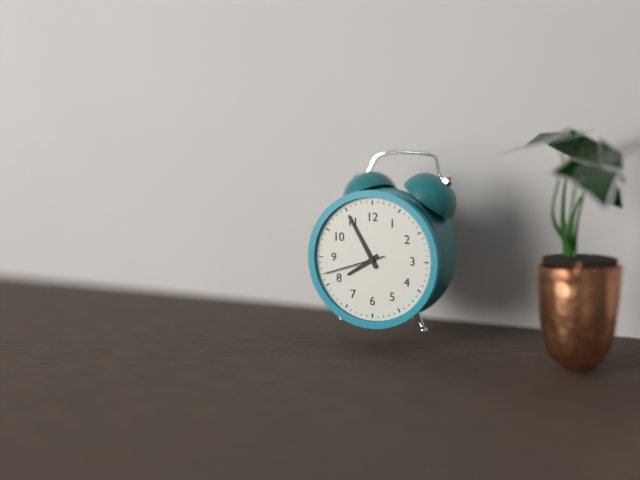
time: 7:55:42
